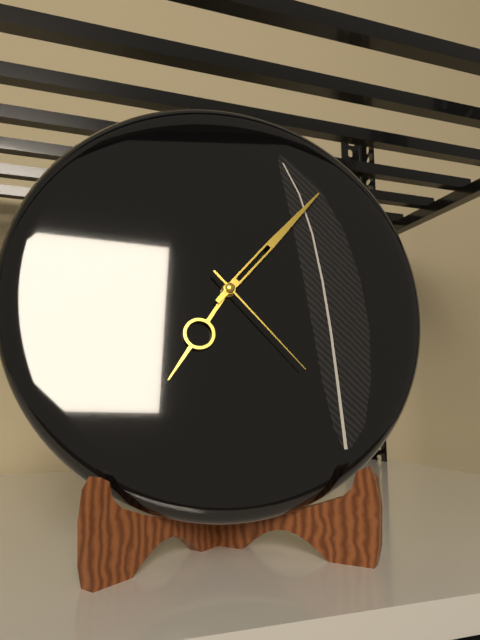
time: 7:07:23
